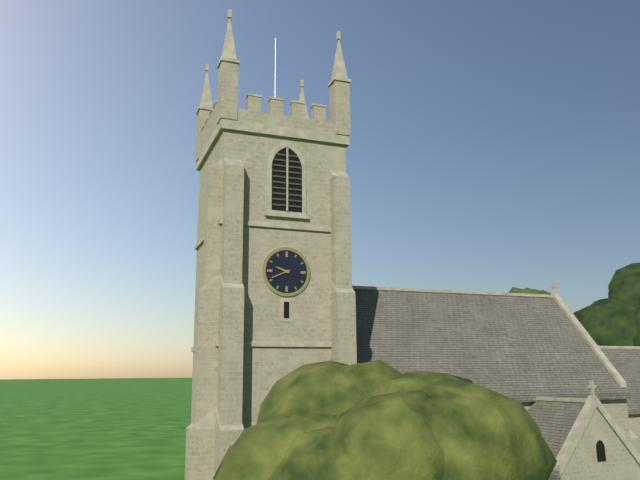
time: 9:41
